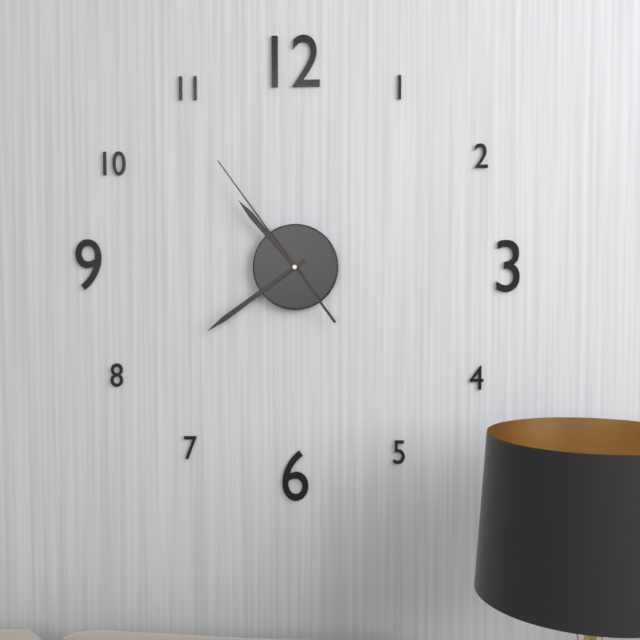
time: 10:39:54
